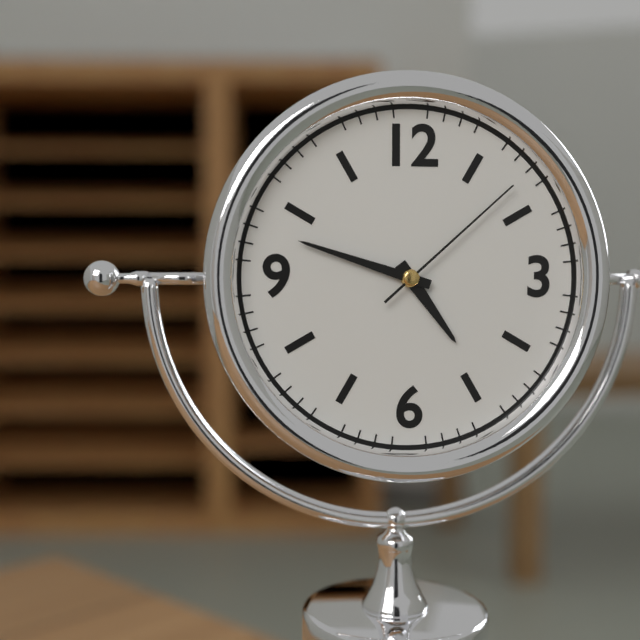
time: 4:48:08
